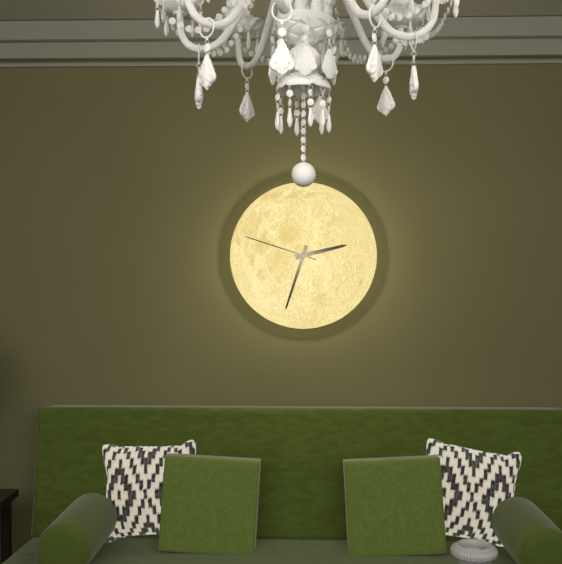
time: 2:33:48
